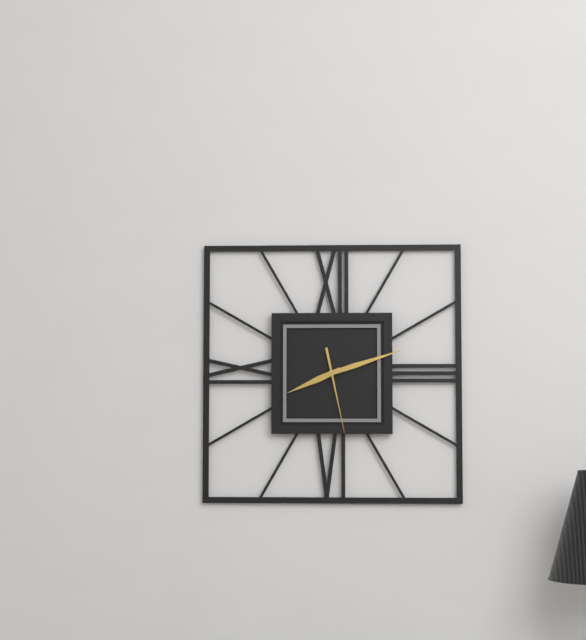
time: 8:12:28
